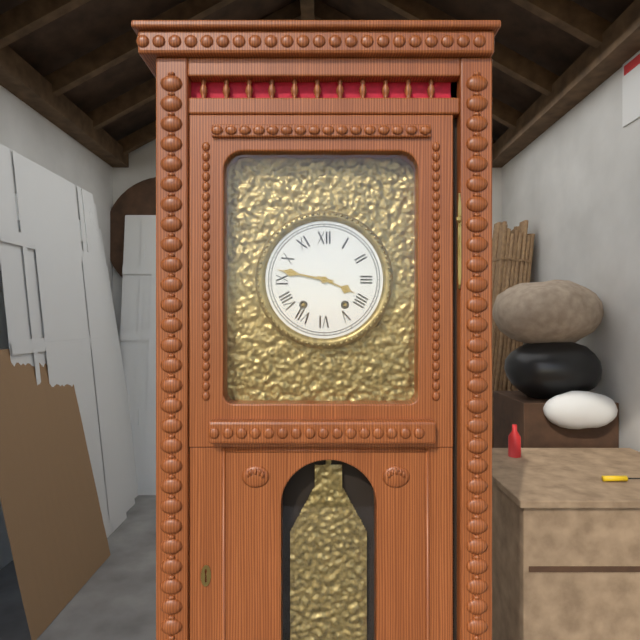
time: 3:47
